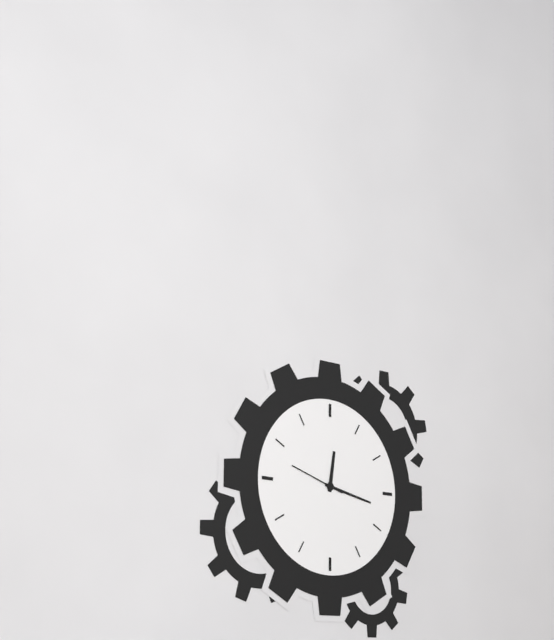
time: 12:17:48
